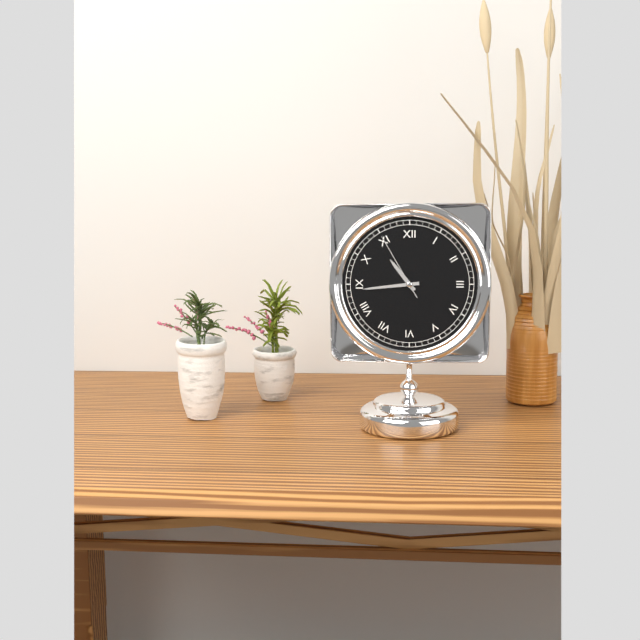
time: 10:44:55
